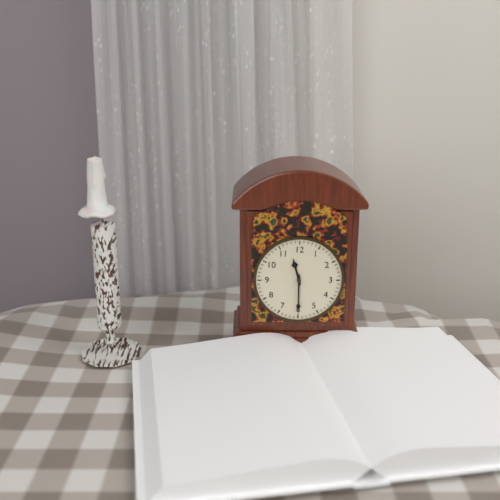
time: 11:30
